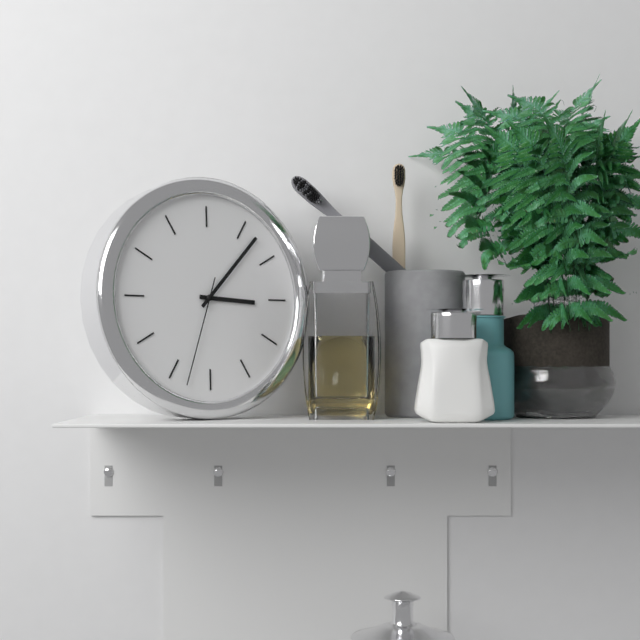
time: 3:07:33
